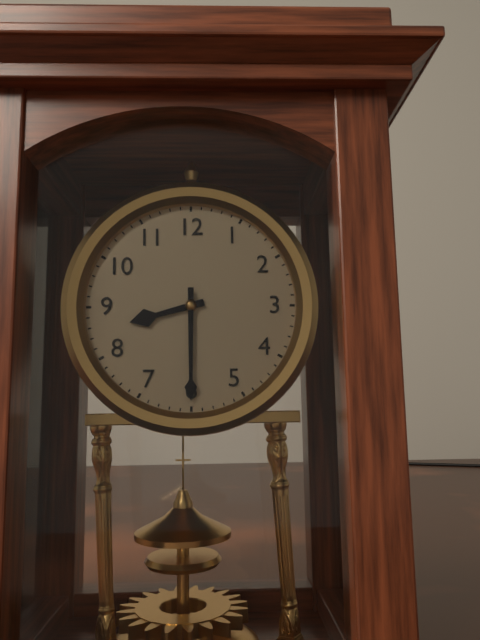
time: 8:30
